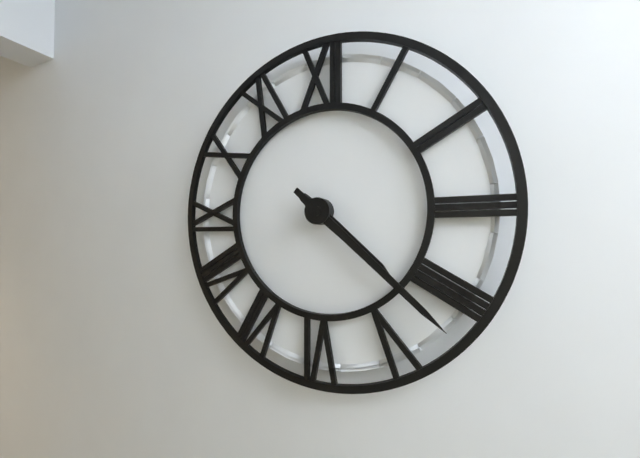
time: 4:22
